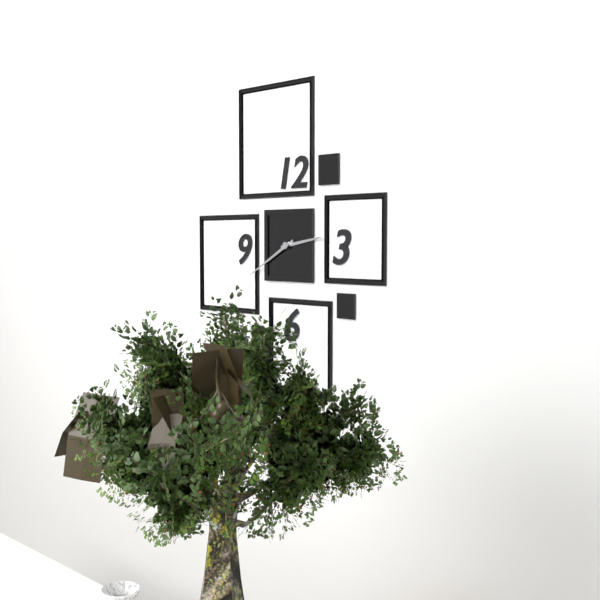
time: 2:40
